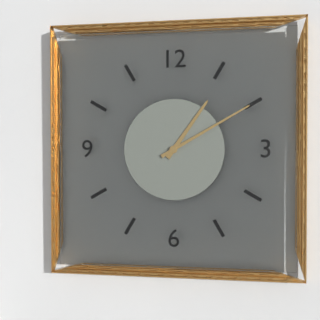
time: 1:10
